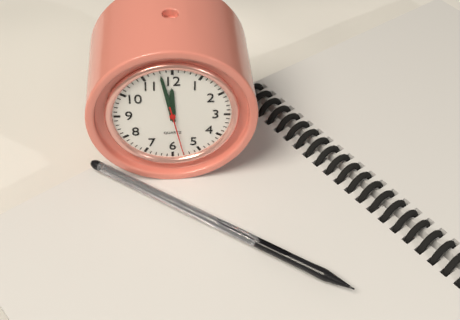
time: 11:58:28
